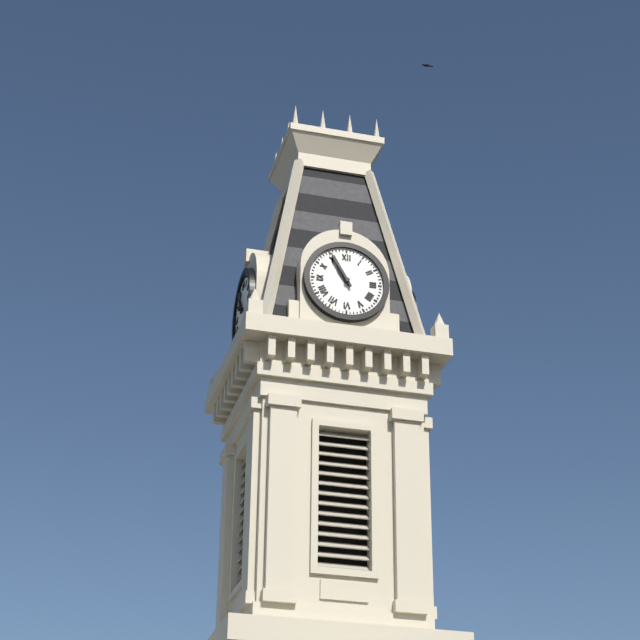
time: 10:55
